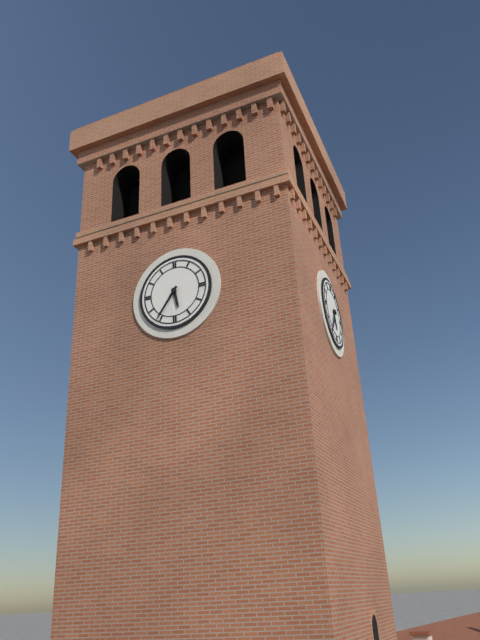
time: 5:36
